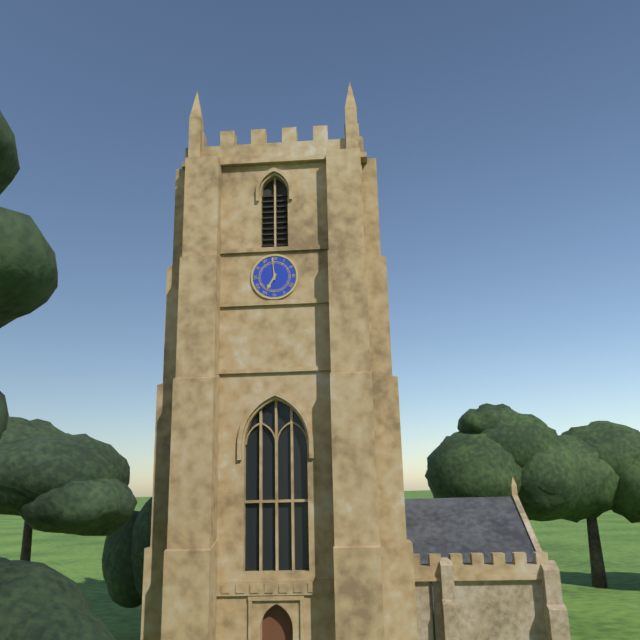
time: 6:59
